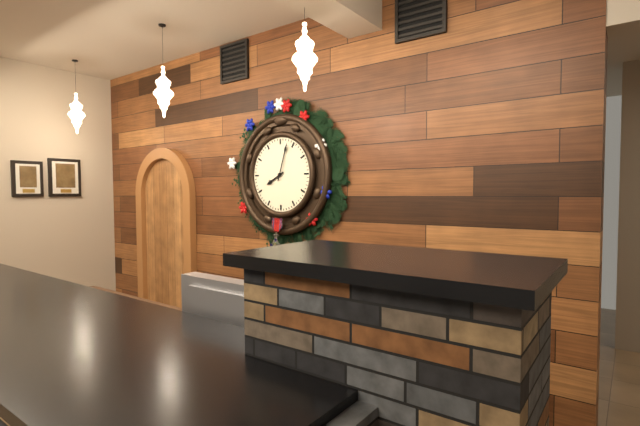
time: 8:03
